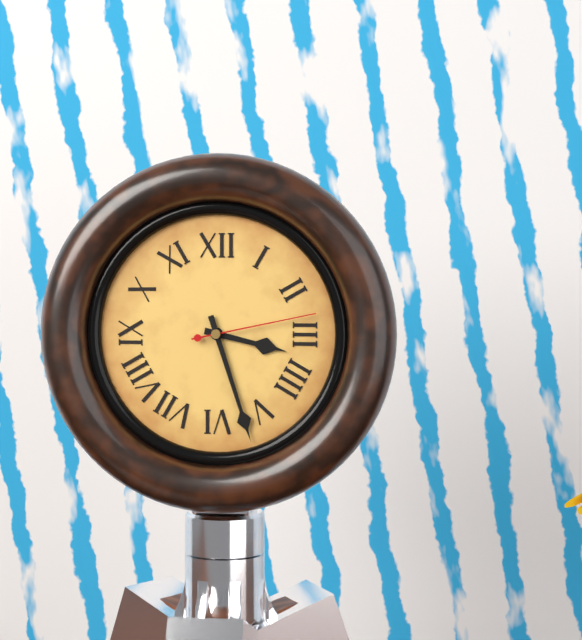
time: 3:27:13
